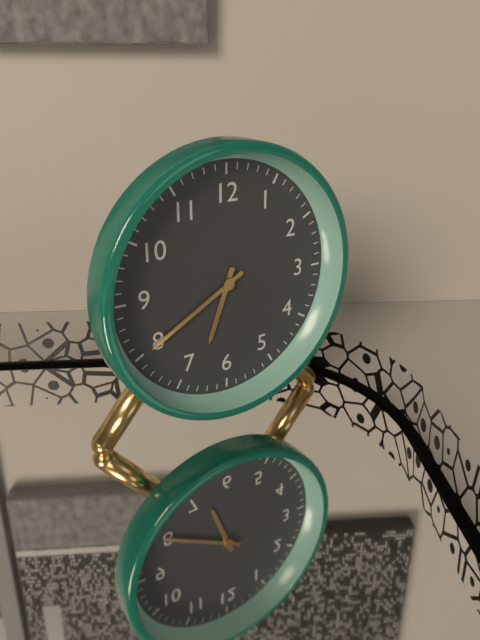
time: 6:40
